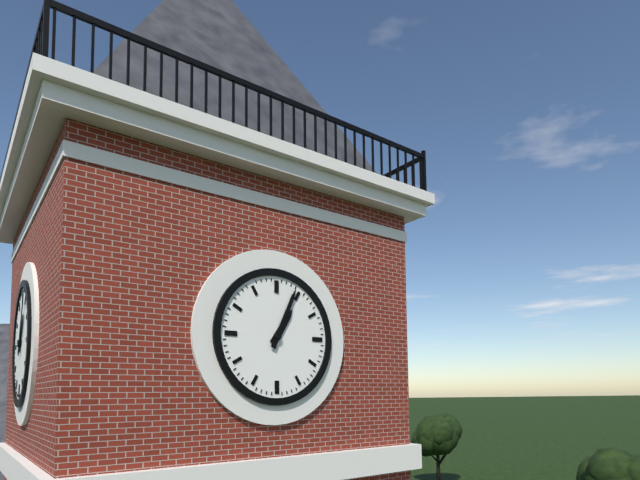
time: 1:04
